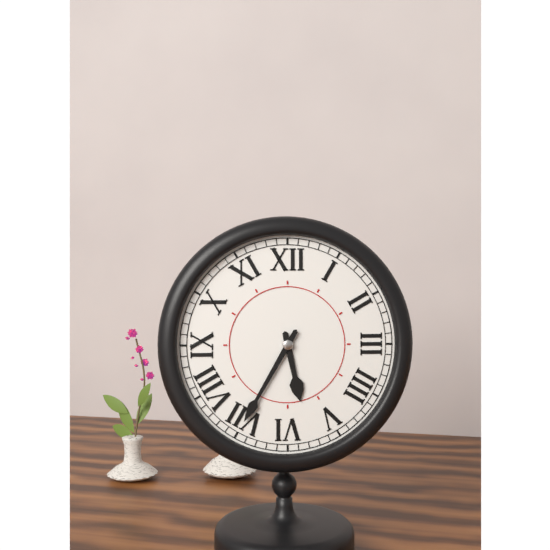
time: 5:35
